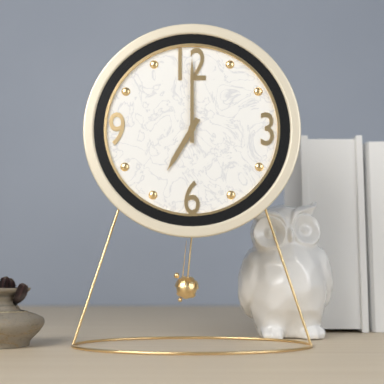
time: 7:00
